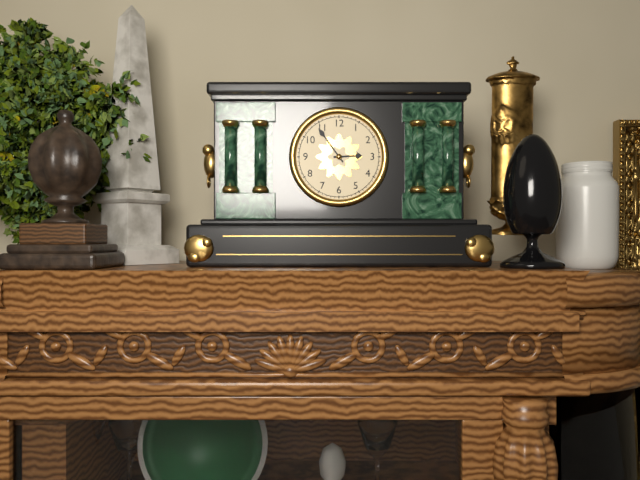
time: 2:54
